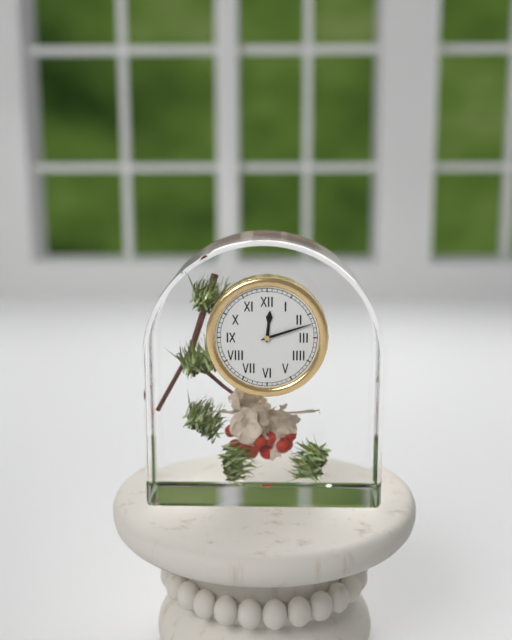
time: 12:12
